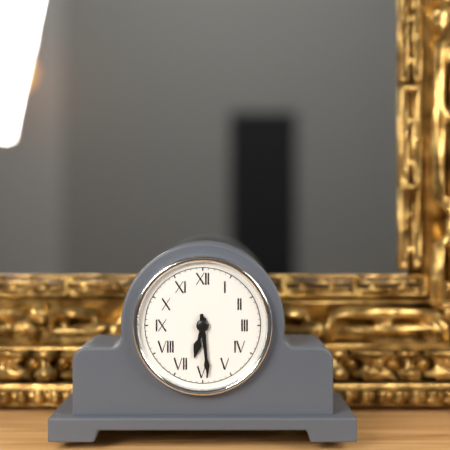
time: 6:29
